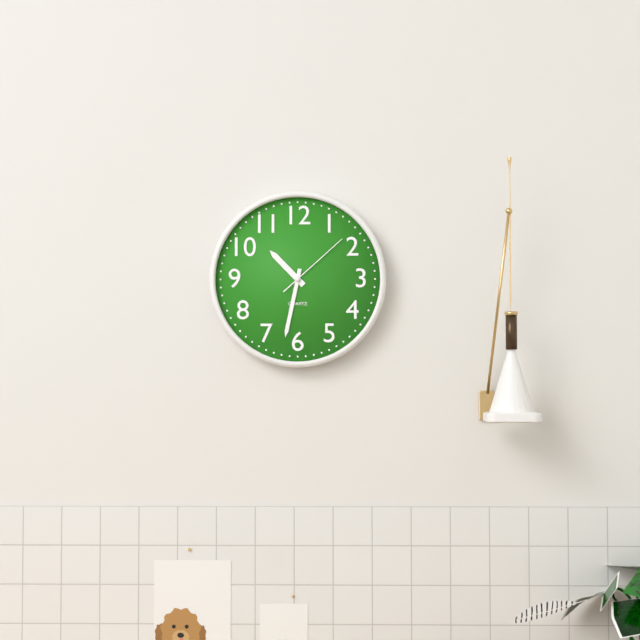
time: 10:32:08
